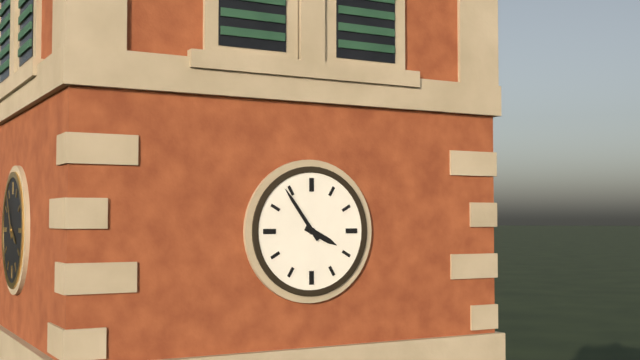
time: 3:54
